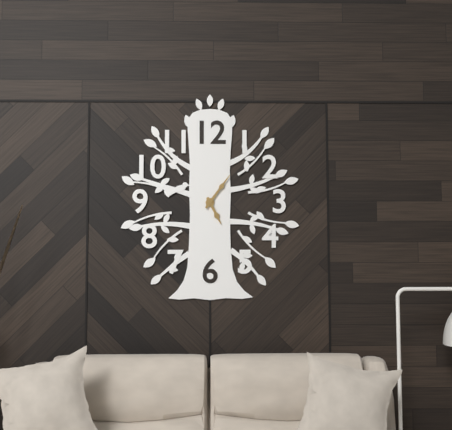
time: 5:06
